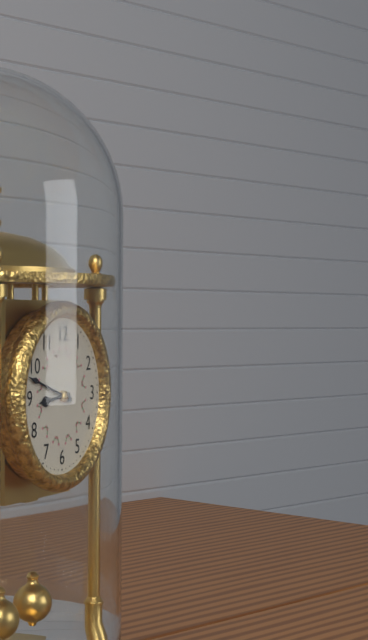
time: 8:48
